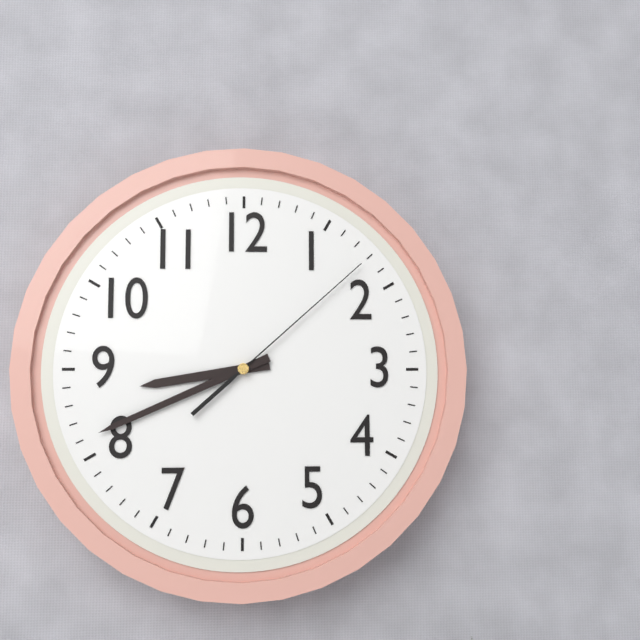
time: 8:41:08
